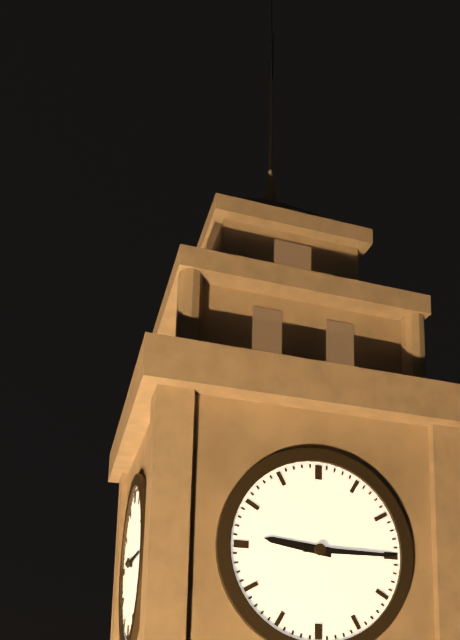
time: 9:15
